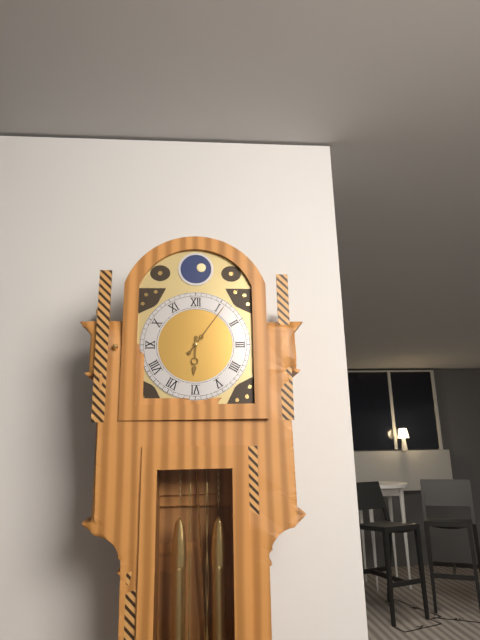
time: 6:06
